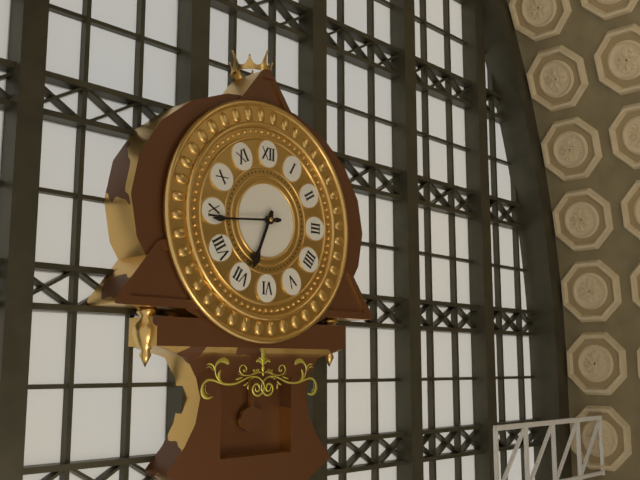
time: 6:44
